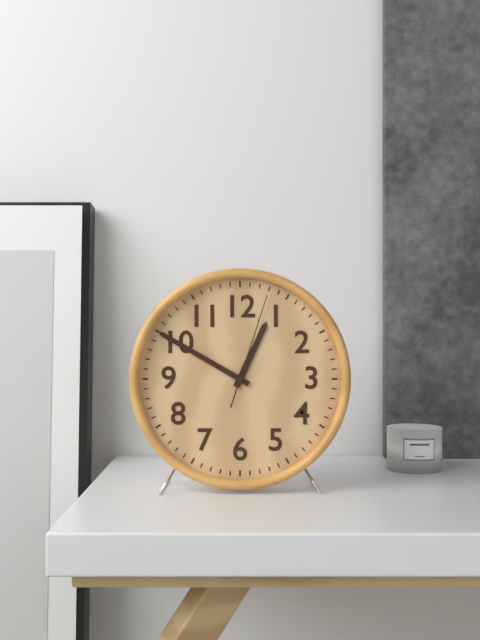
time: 12:50:03
